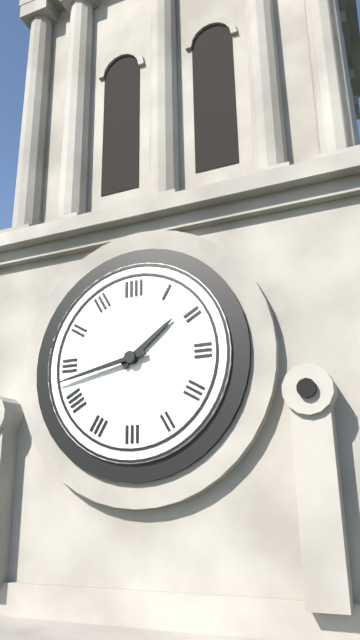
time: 1:43
